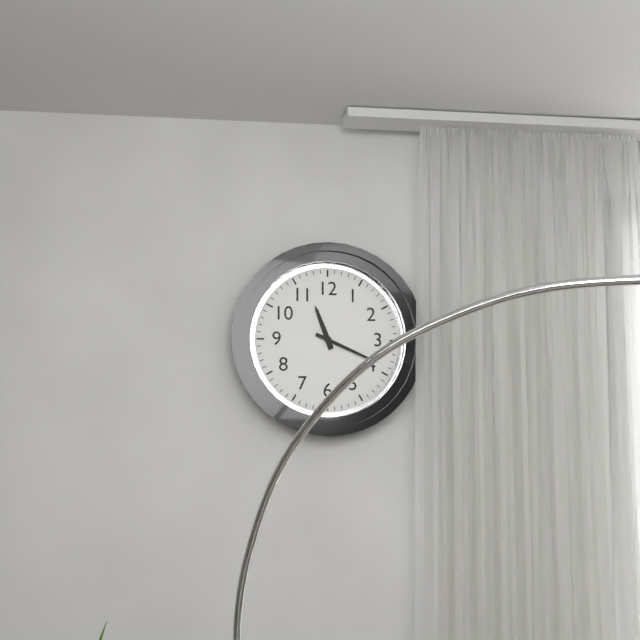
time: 11:19
